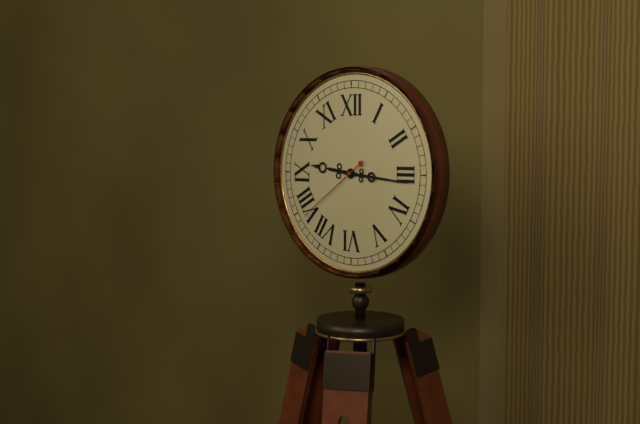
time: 9:16:39
